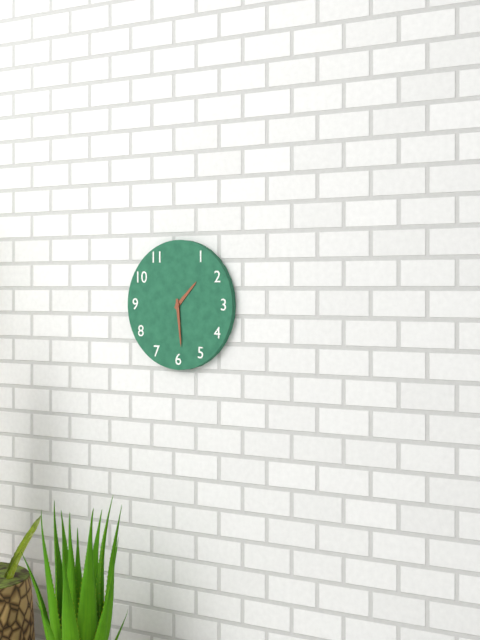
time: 1:29
